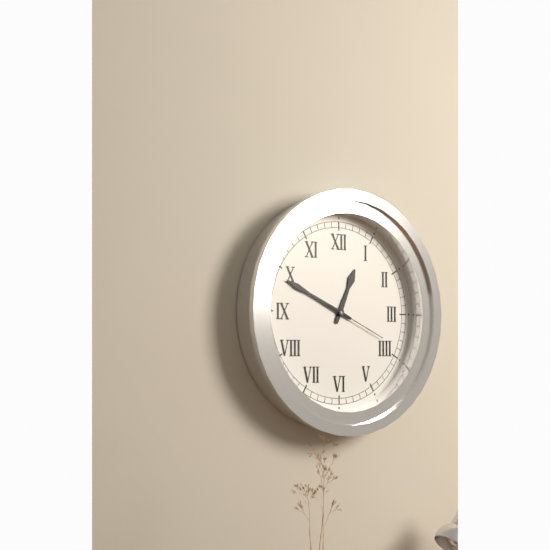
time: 12:49:19
